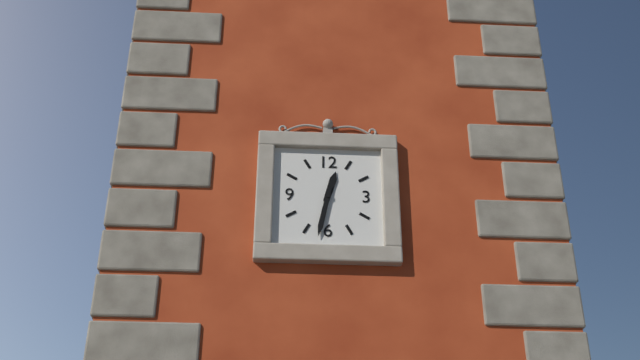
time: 12:32
